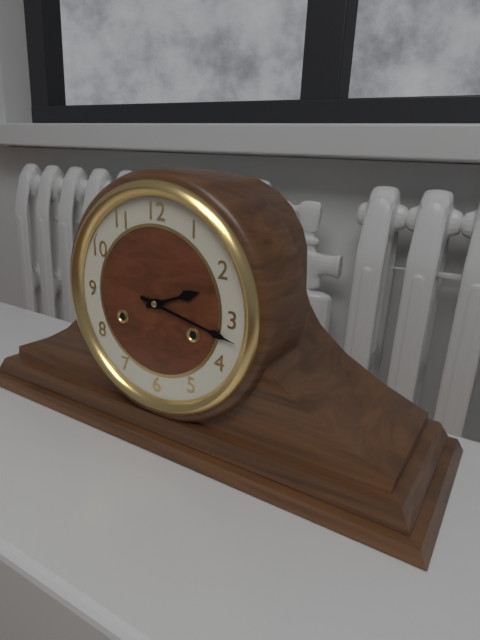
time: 2:17
